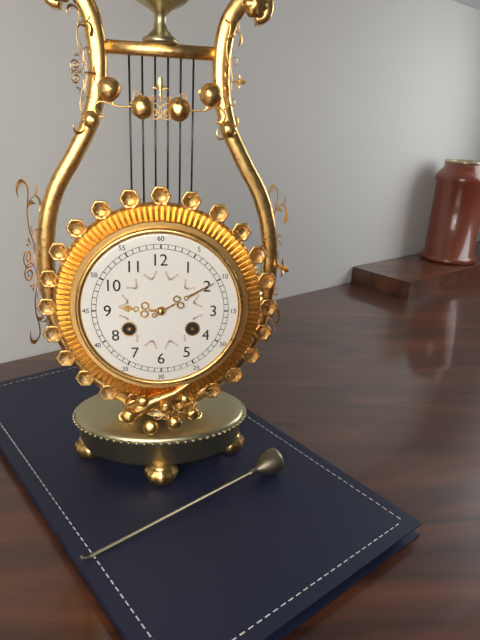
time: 9:10
